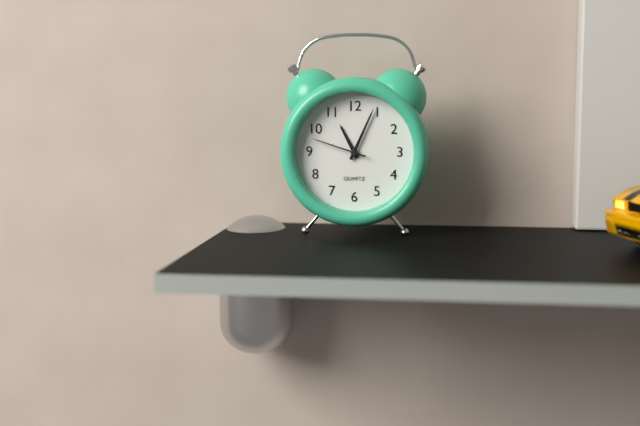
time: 11:04:48
